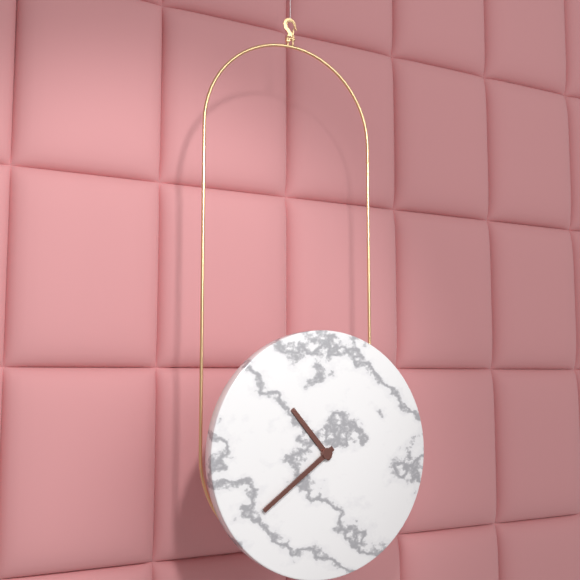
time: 10:39
